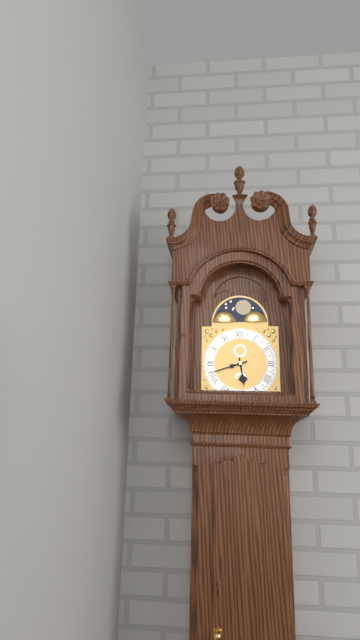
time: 5:42
